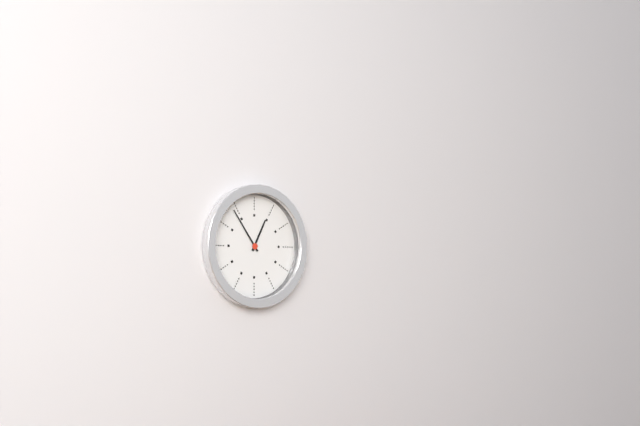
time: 12:54
